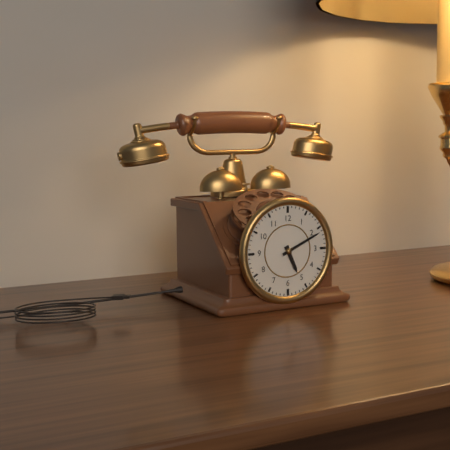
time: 5:11
